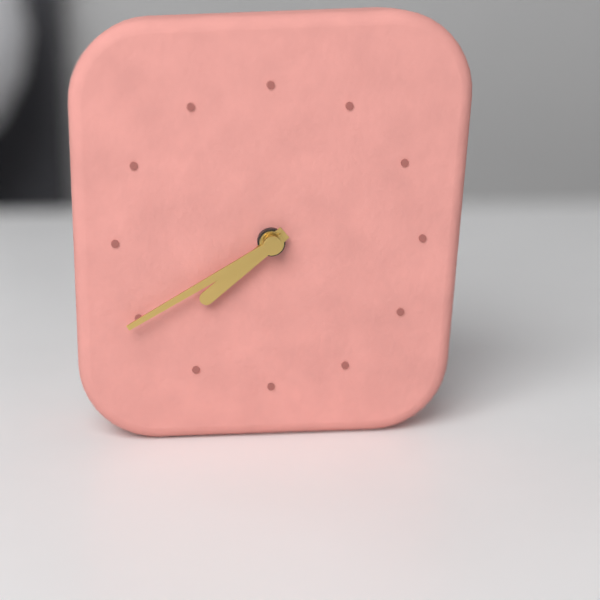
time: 7:40
